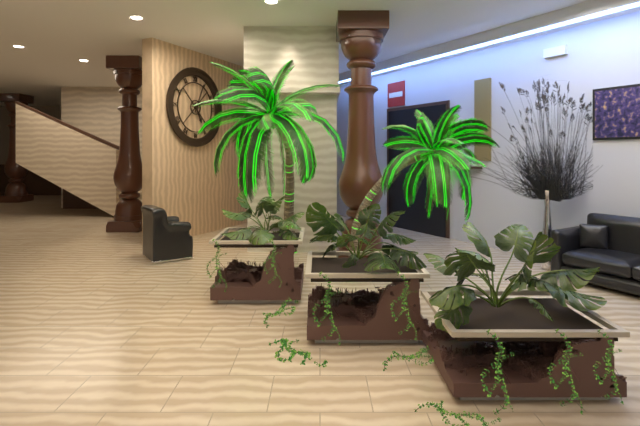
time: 5:04
